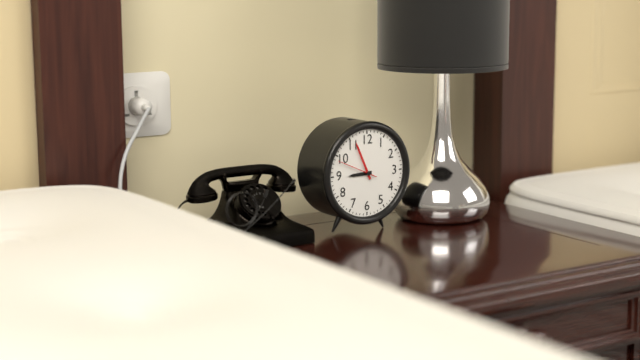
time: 8:56
